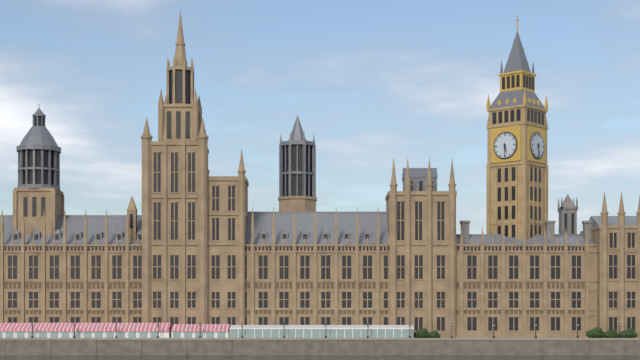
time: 5:30
